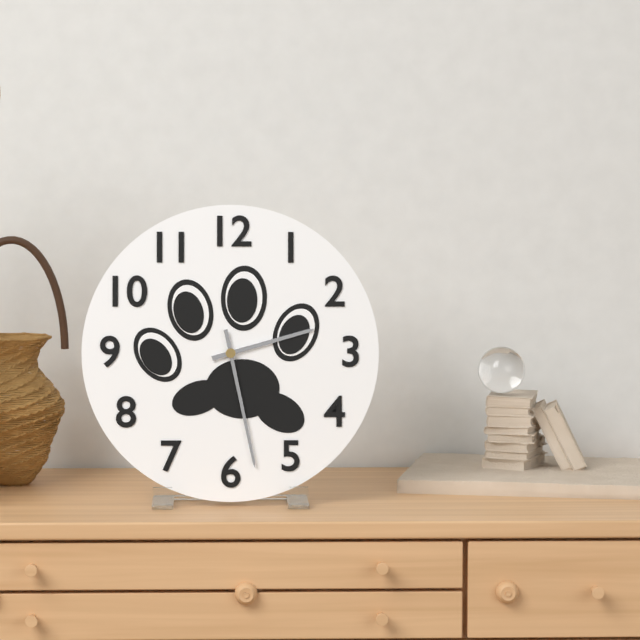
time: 2:28
